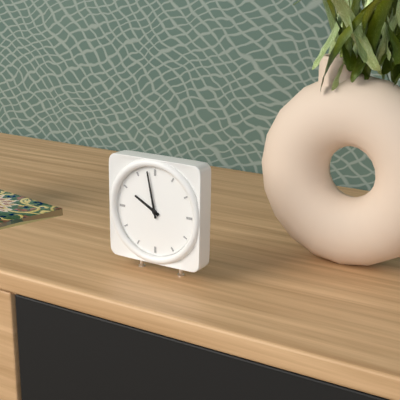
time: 9:58
